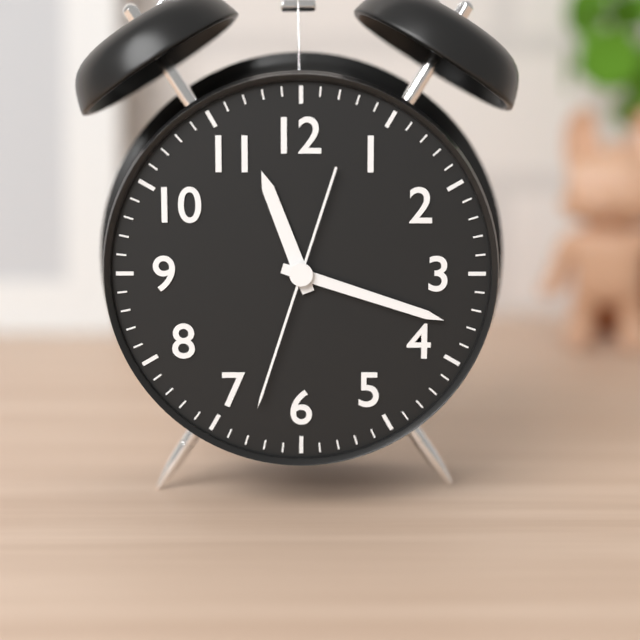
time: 11:18:33
